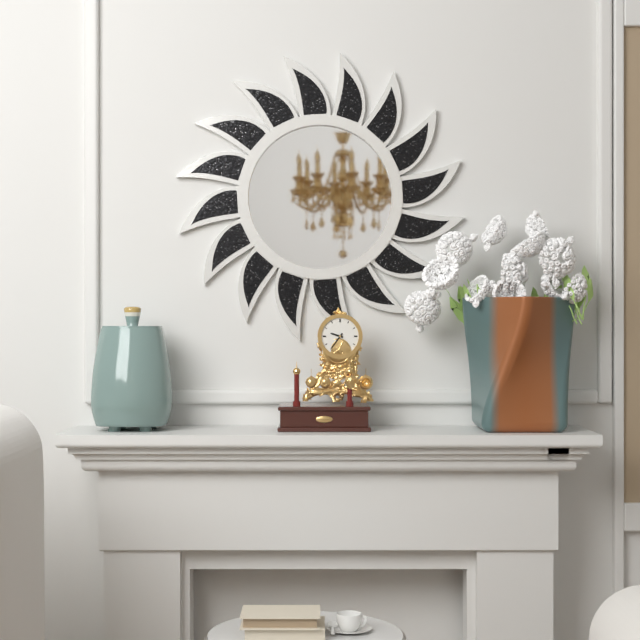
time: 9:36
